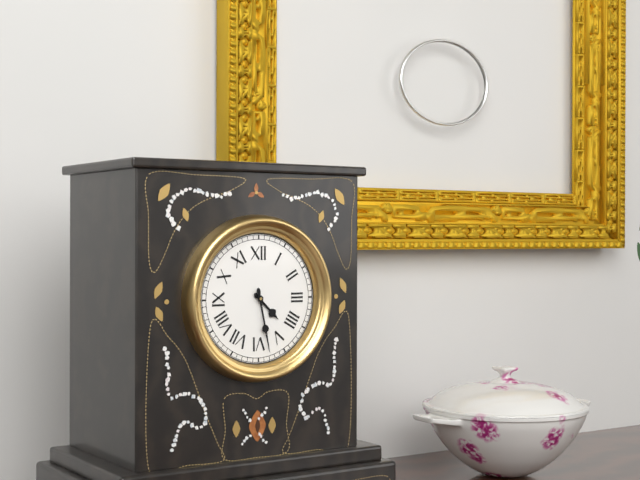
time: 4:28
